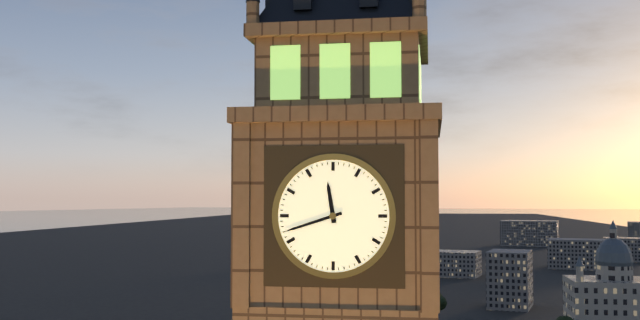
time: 11:42
